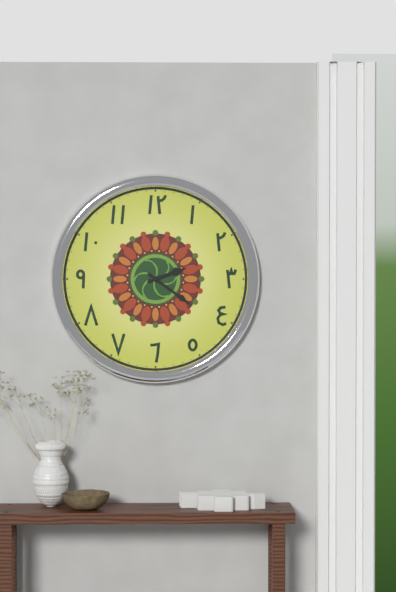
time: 2:21
